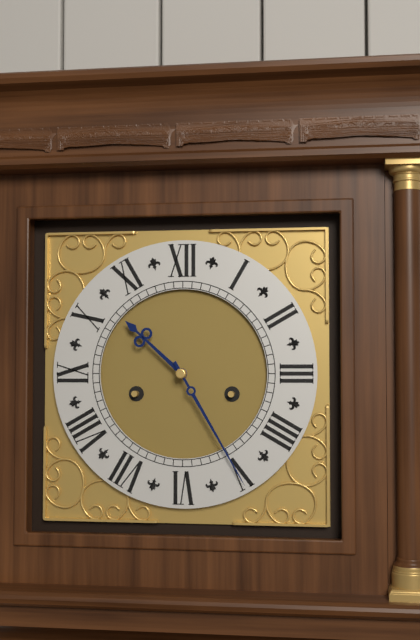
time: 10:25
